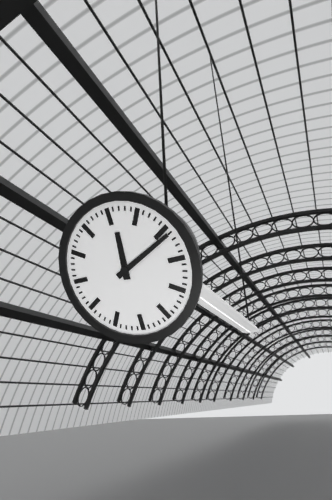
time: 12:11
